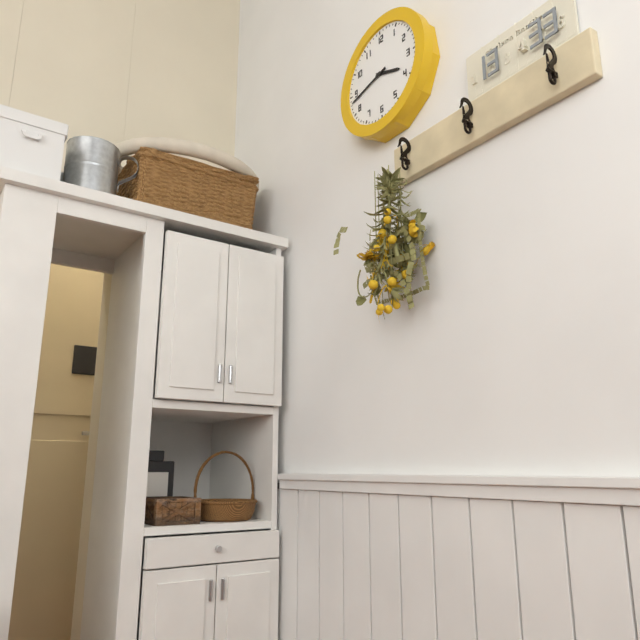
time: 3:43
